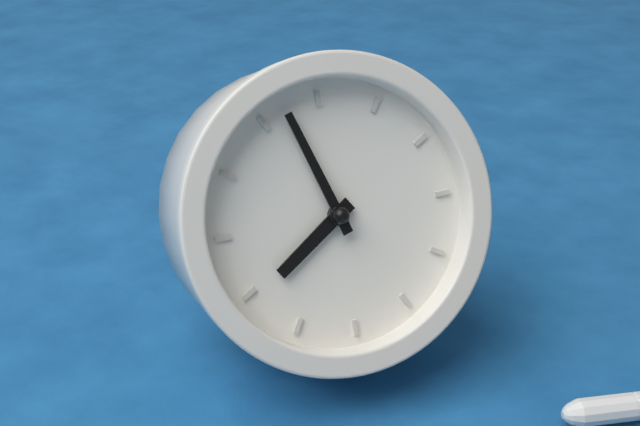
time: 6:52
